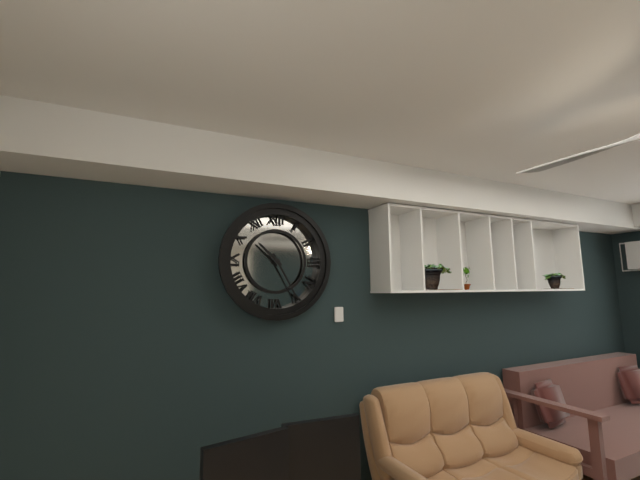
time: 10:25
